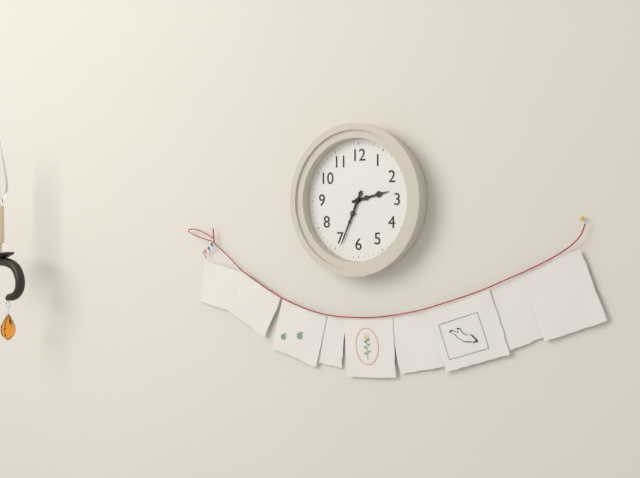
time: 2:34
